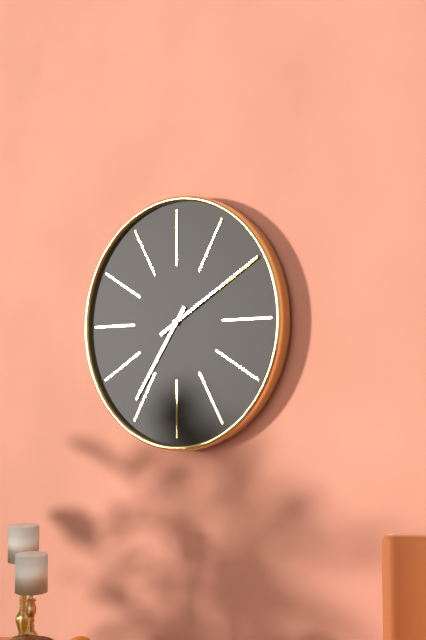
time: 7:10
